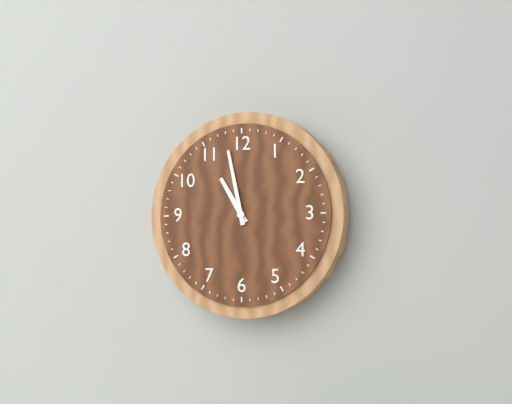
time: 10:58
